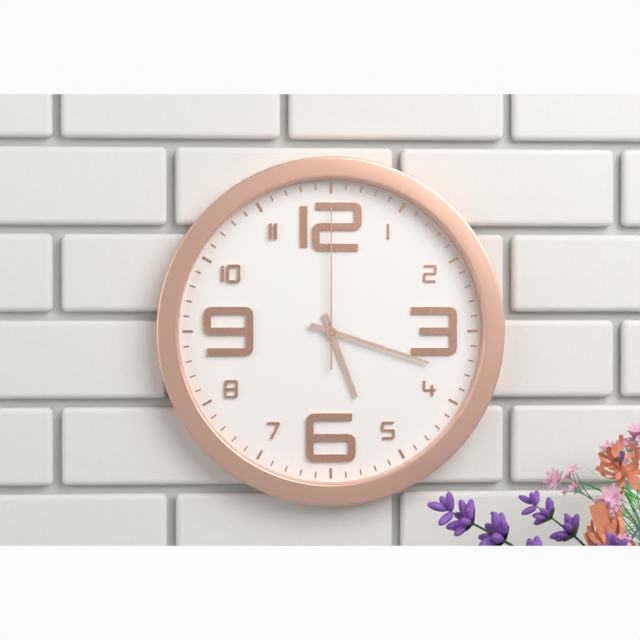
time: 5:18:00
